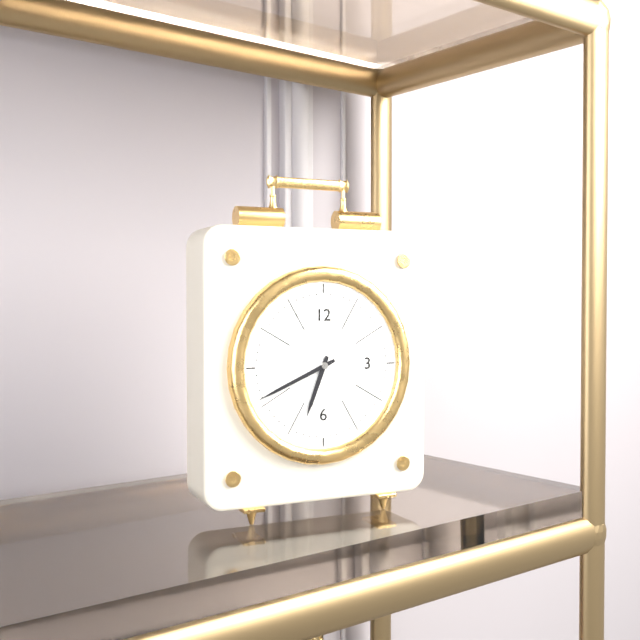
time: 6:41
